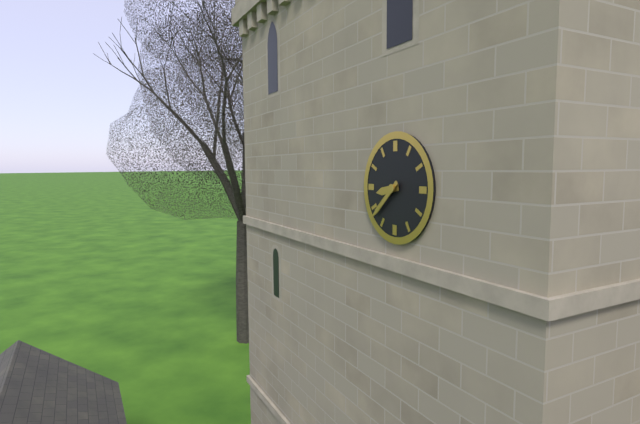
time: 8:38
